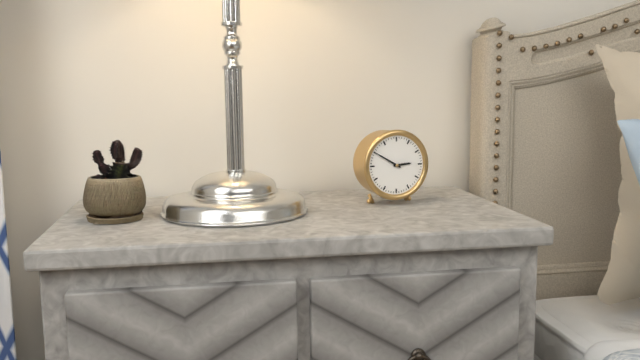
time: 2:50
